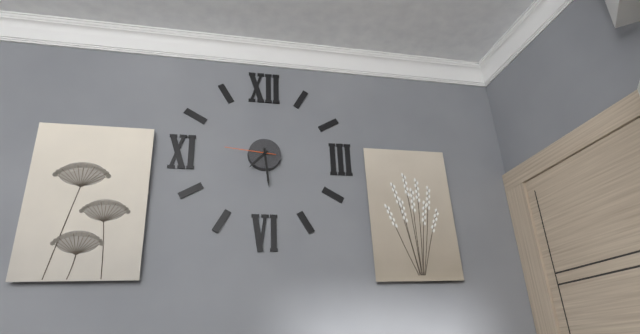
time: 7:29:46
